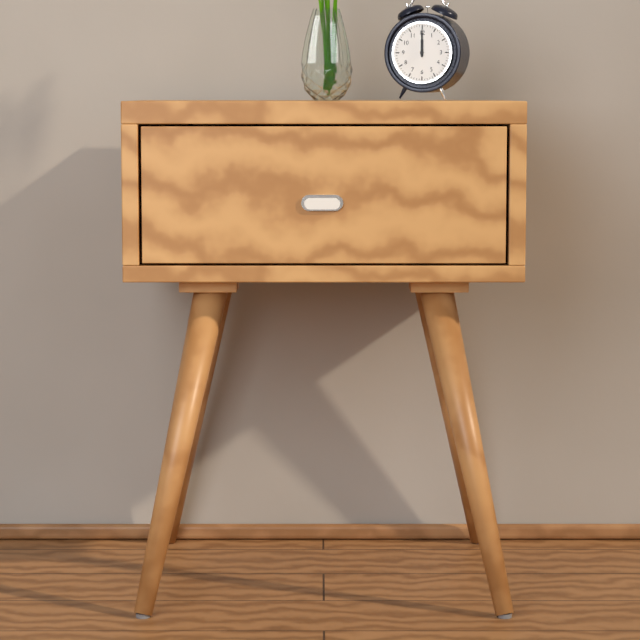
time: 12:00
